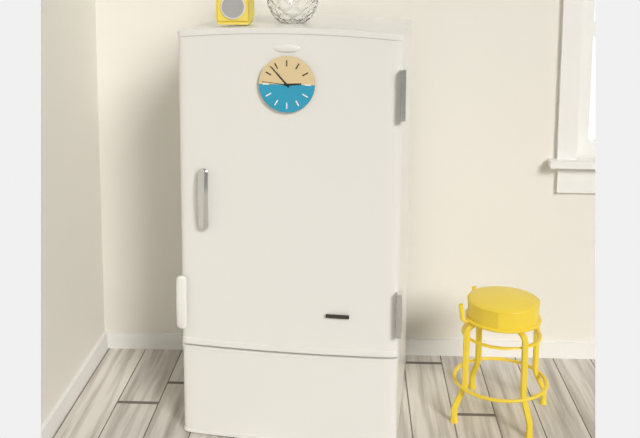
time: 2:53
